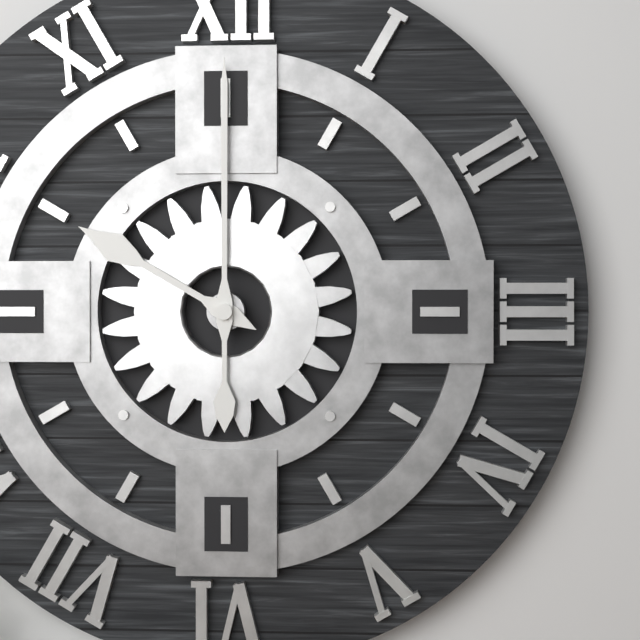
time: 10:00
